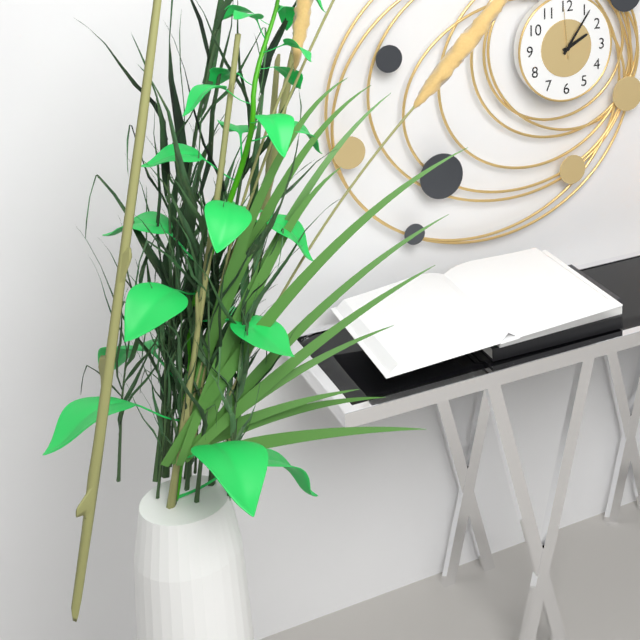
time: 2:06:59
